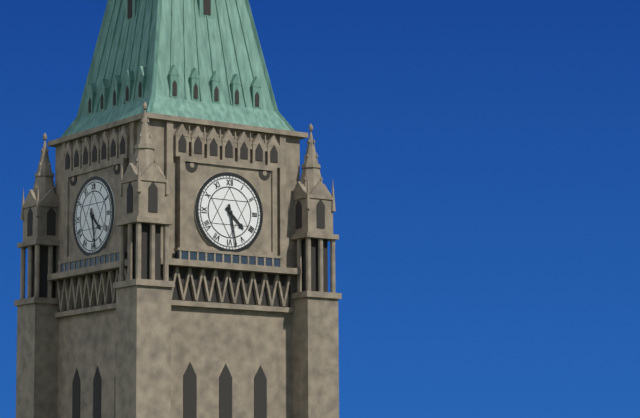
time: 4:28
